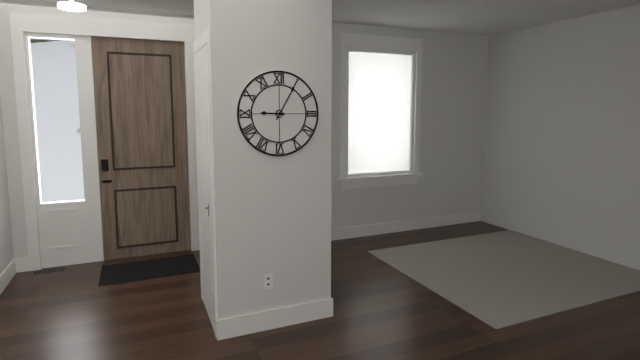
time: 9:05
